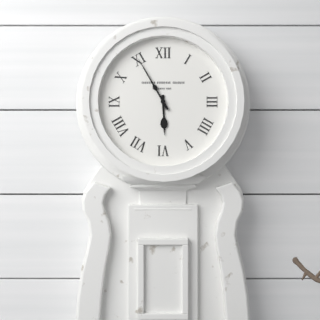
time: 5:55
